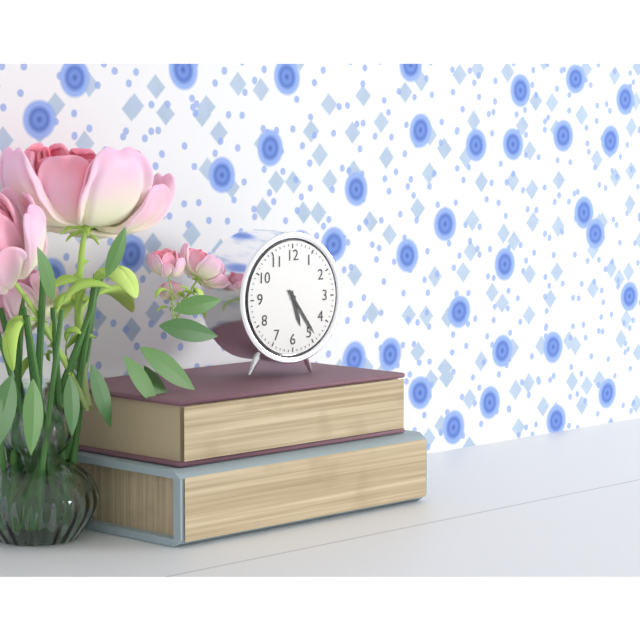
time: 5:24
